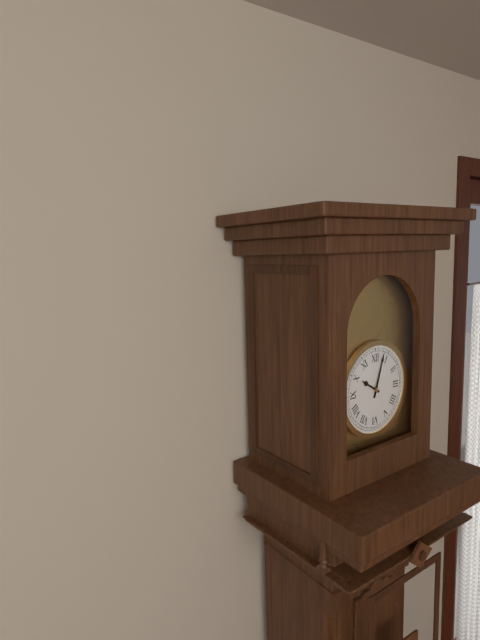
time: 10:03
